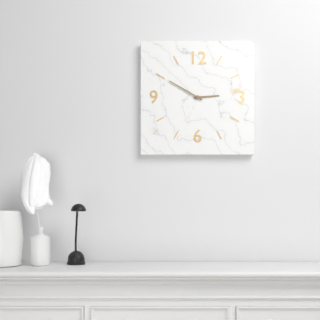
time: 2:50
